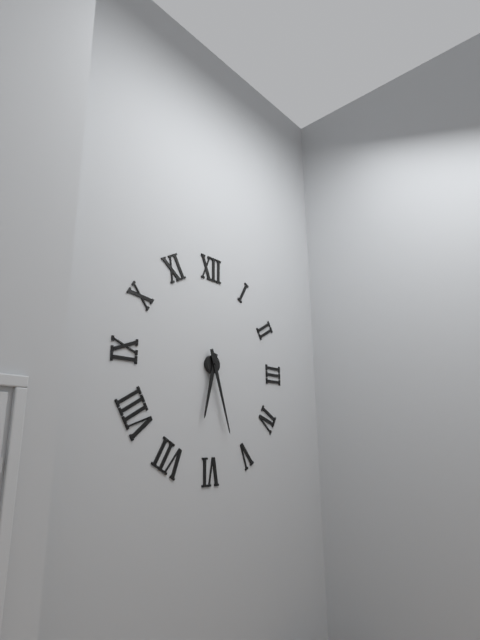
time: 6:27
